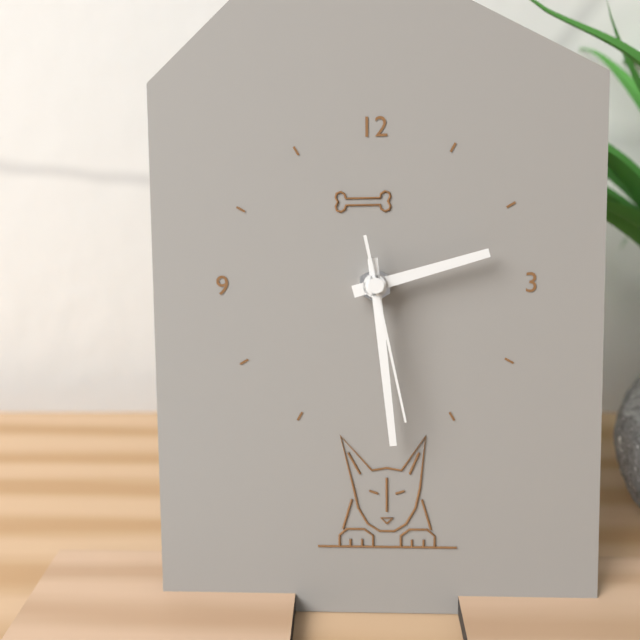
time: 2:29:28
